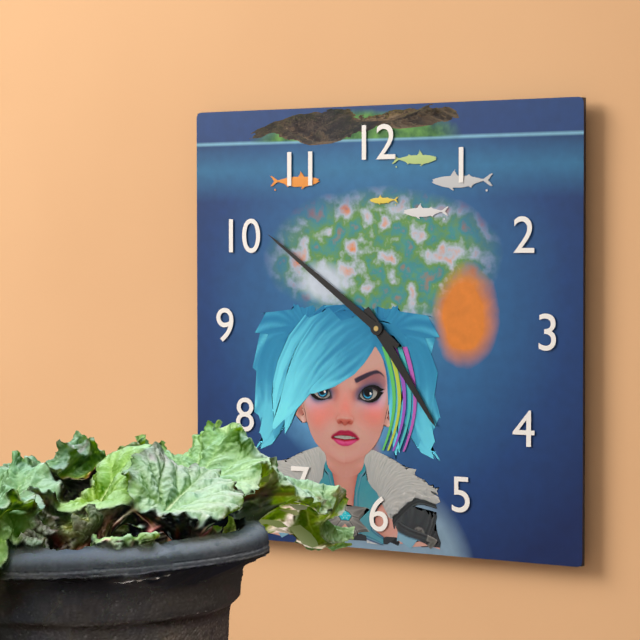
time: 4:51
